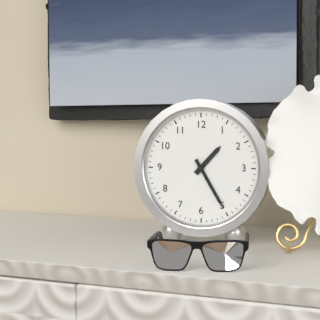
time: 1:25
